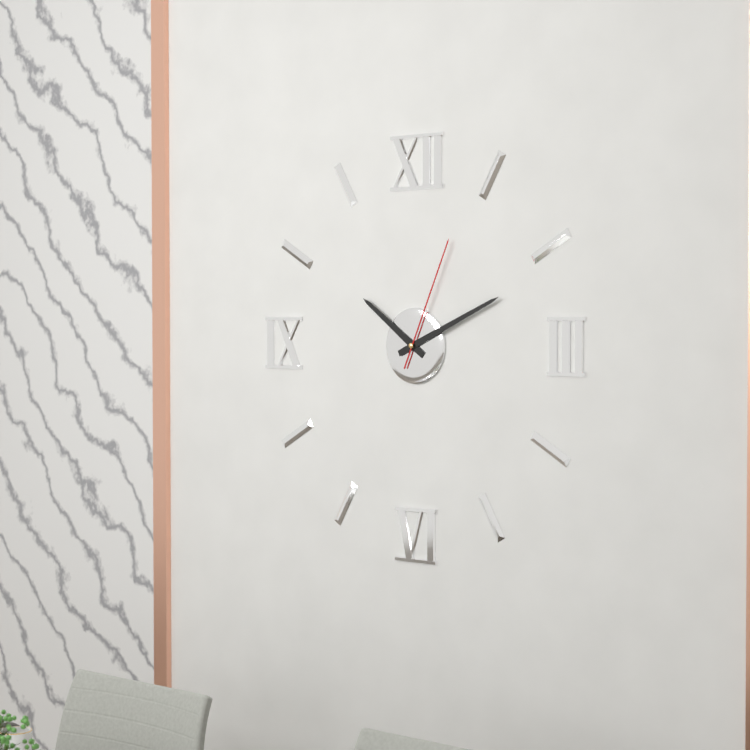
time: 10:11:04
